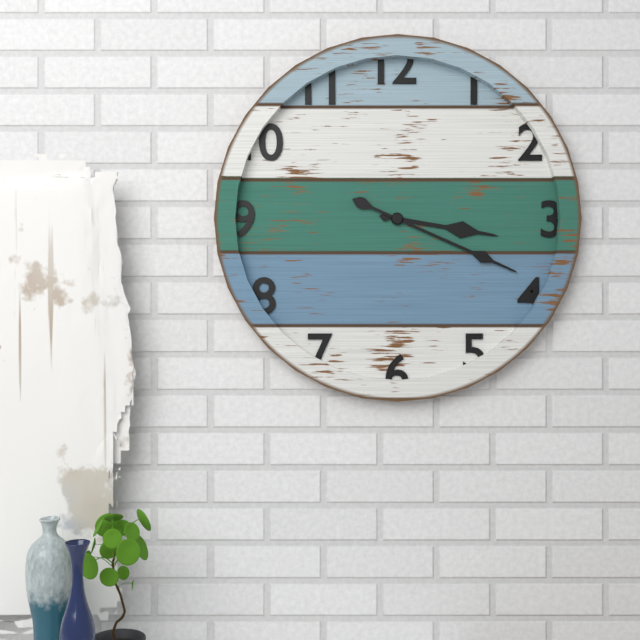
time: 3:19
